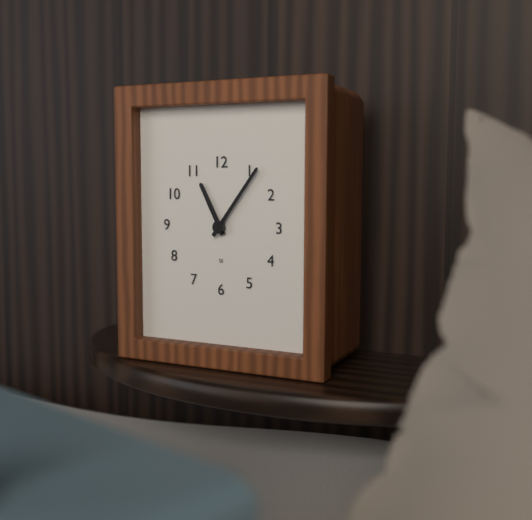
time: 11:06
